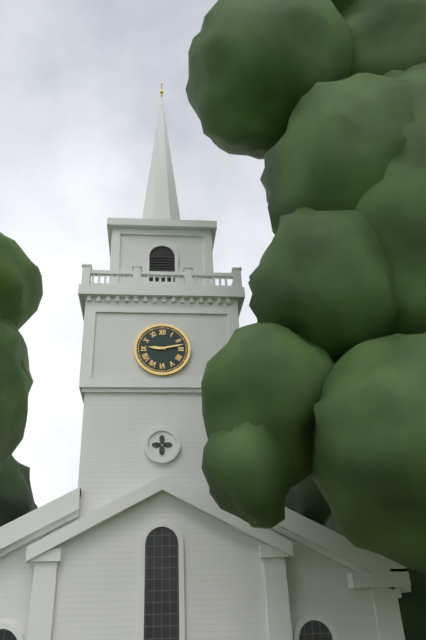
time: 9:13
